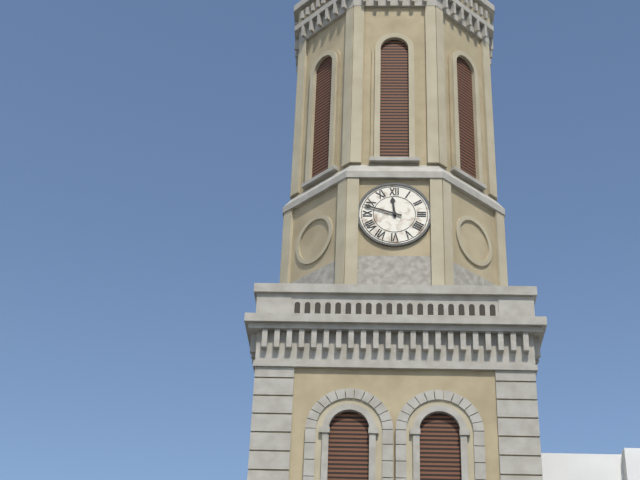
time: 11:48
